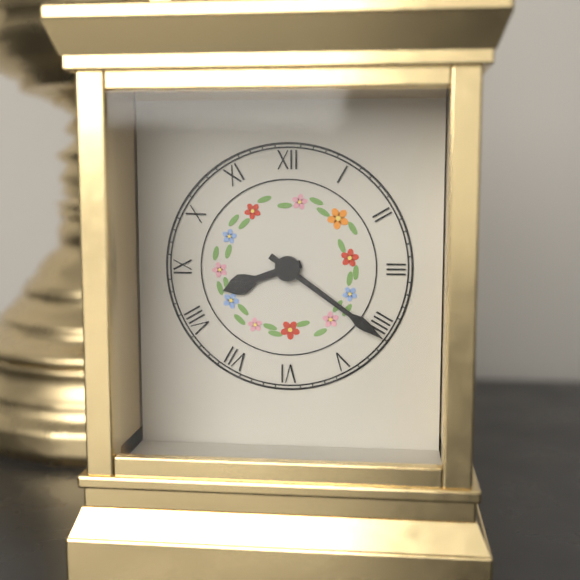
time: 8:21
